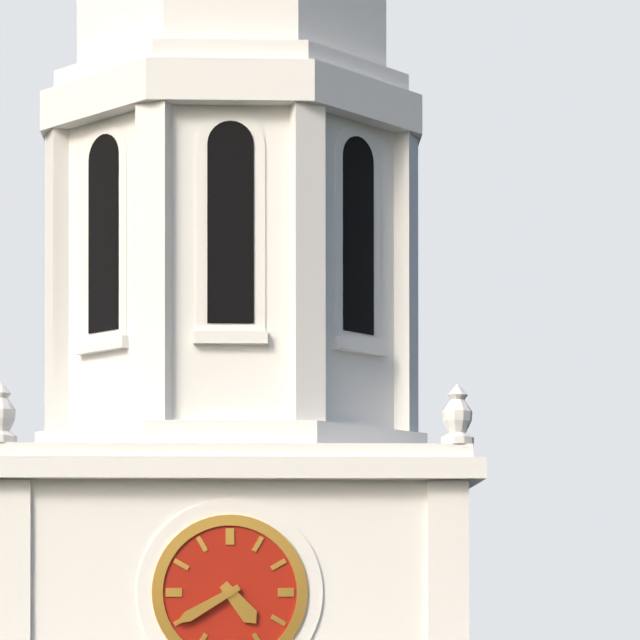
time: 4:40
